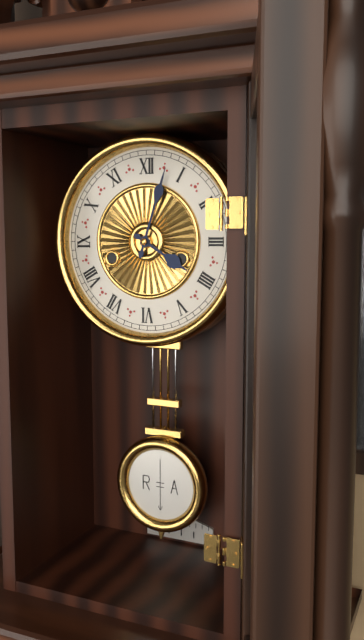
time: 4:03
